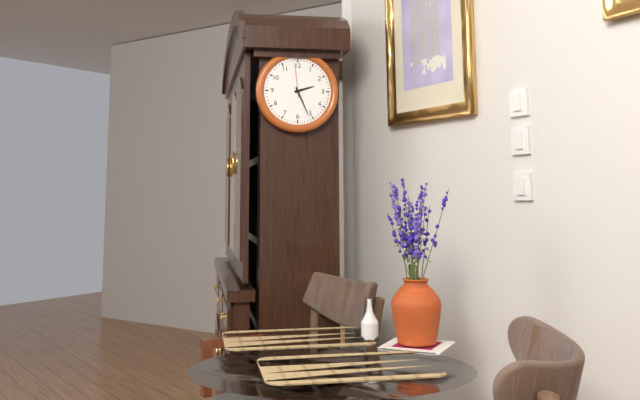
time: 2:26
